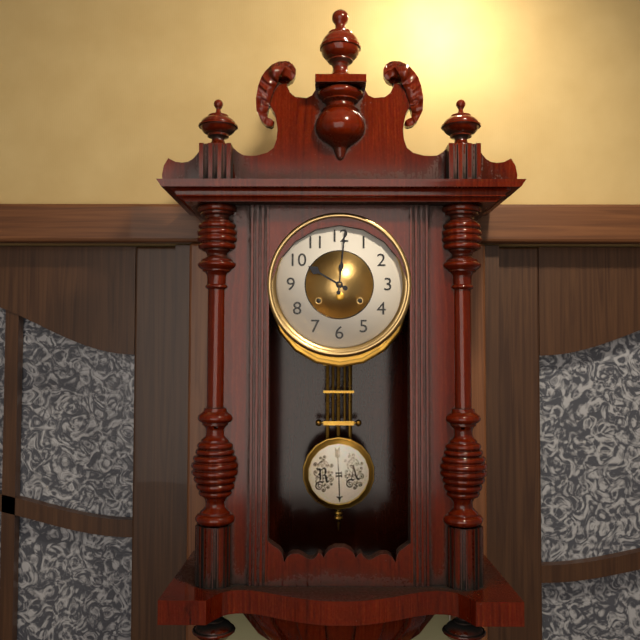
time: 10:01
